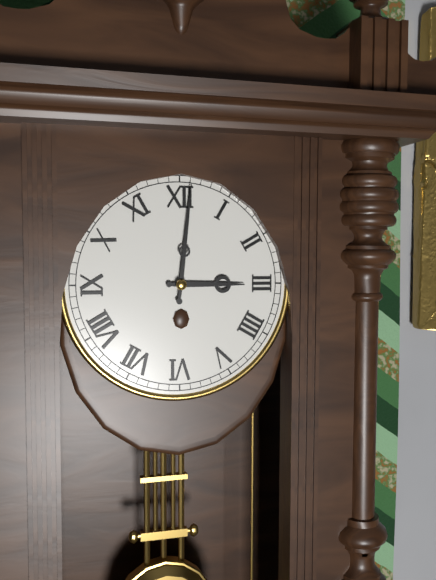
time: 3:01
